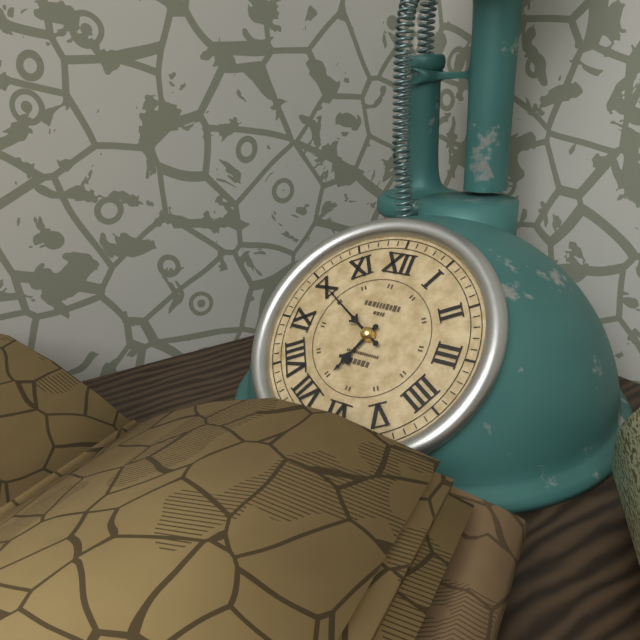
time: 6:50
